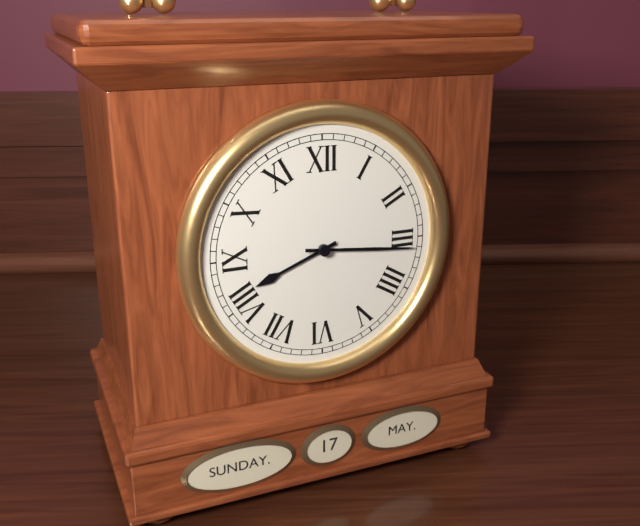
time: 8:16
